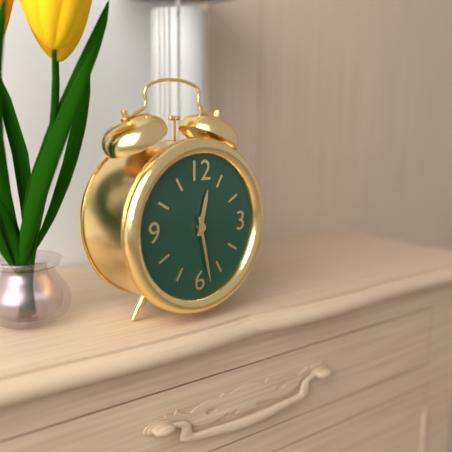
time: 12:28
